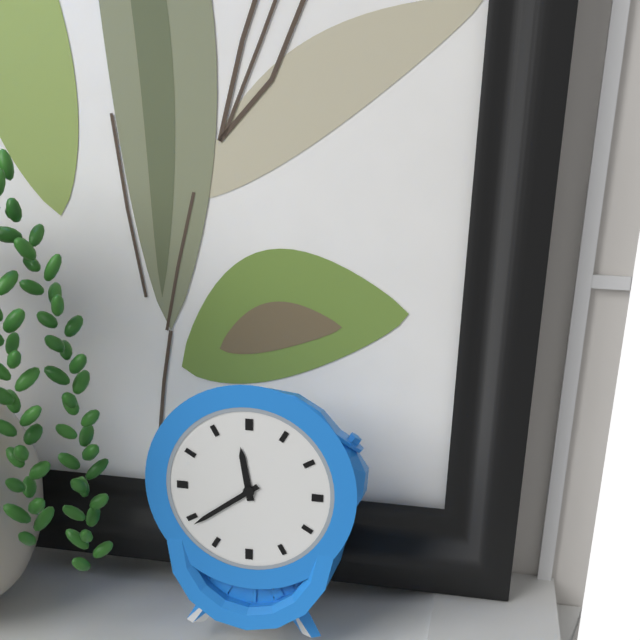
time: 11:39
